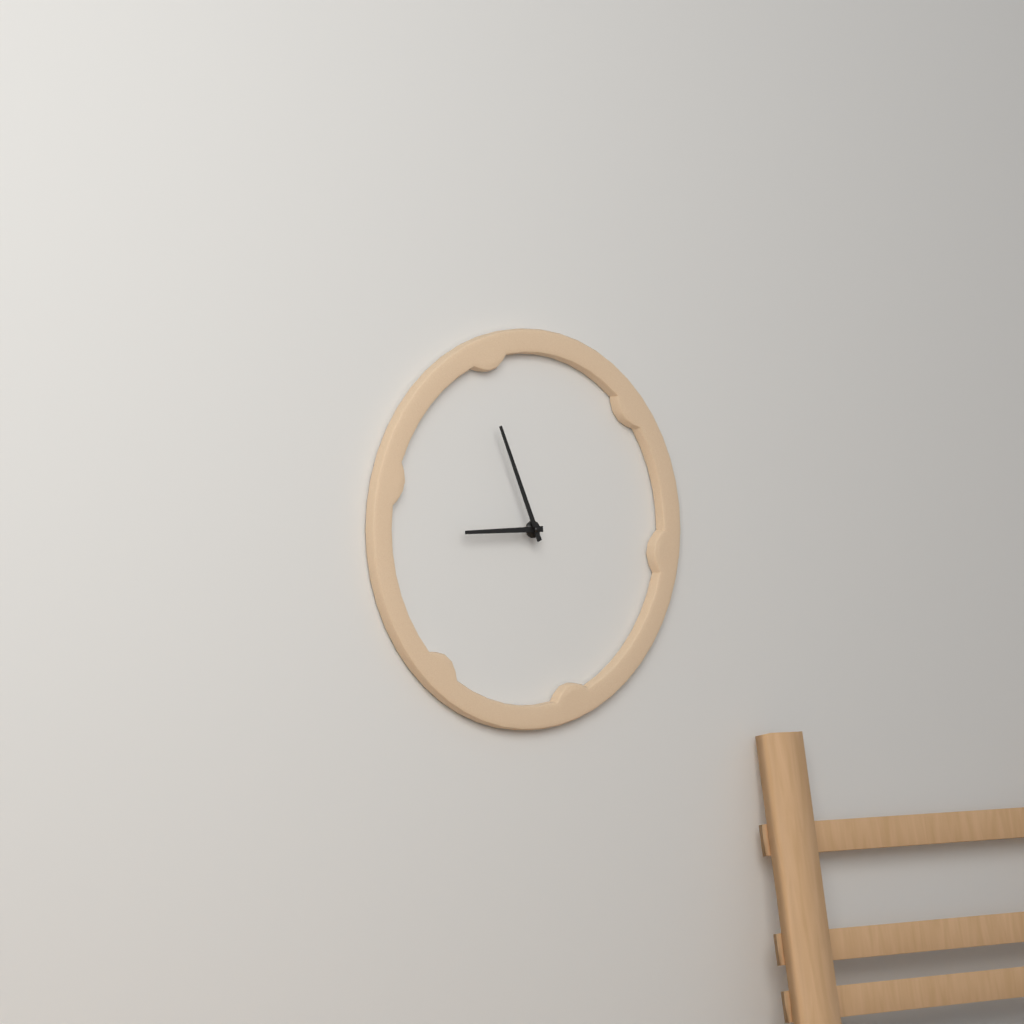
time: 8:56
